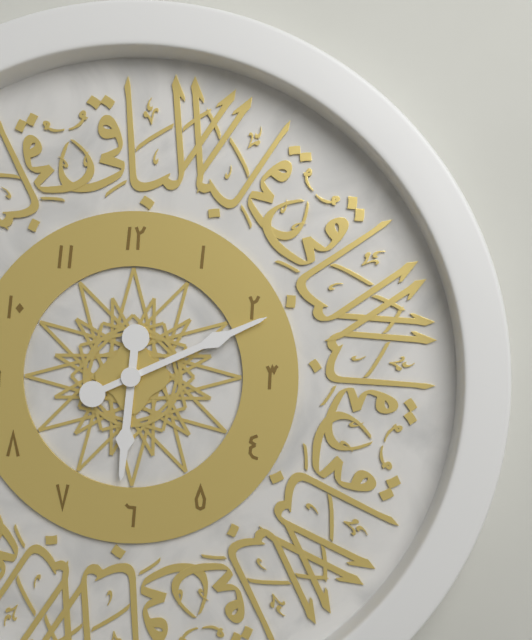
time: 6:11
